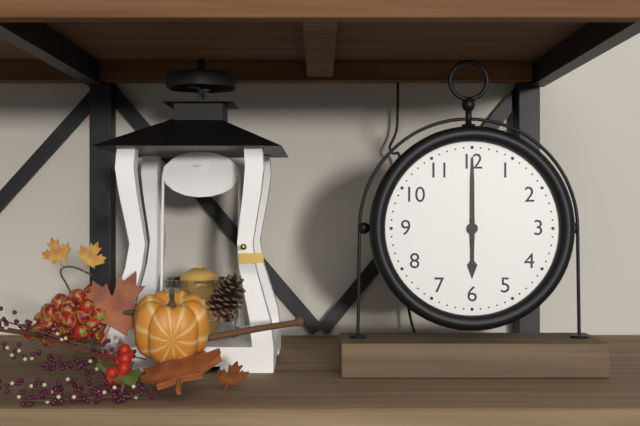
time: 6:00
